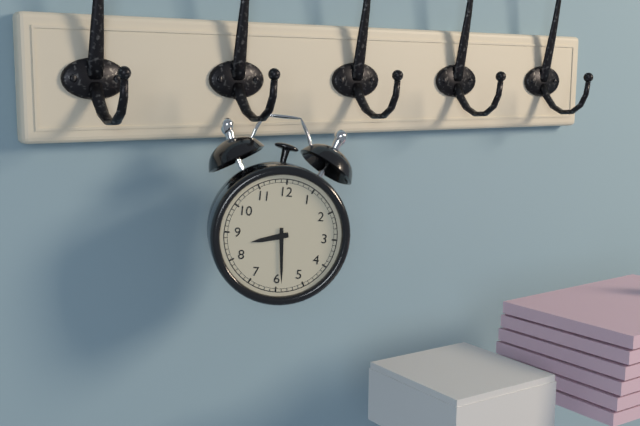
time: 8:29
